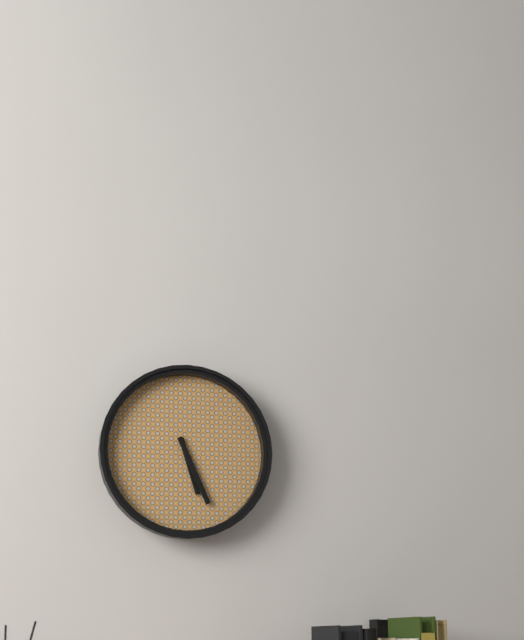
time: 5:26
